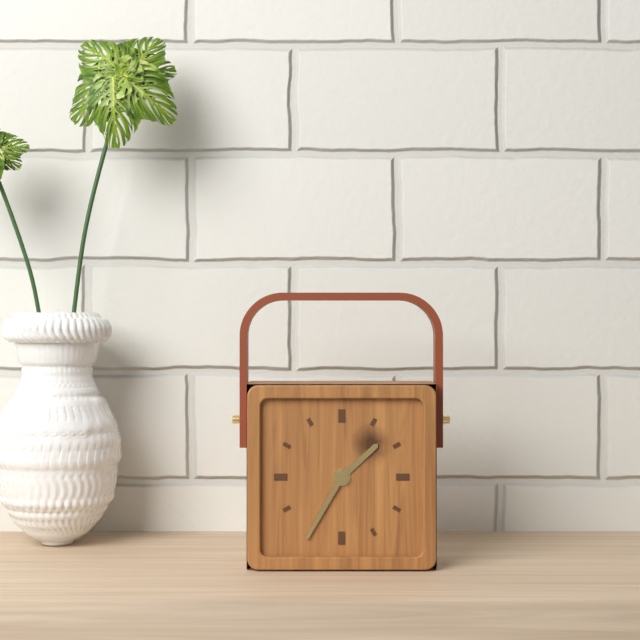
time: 1:35
